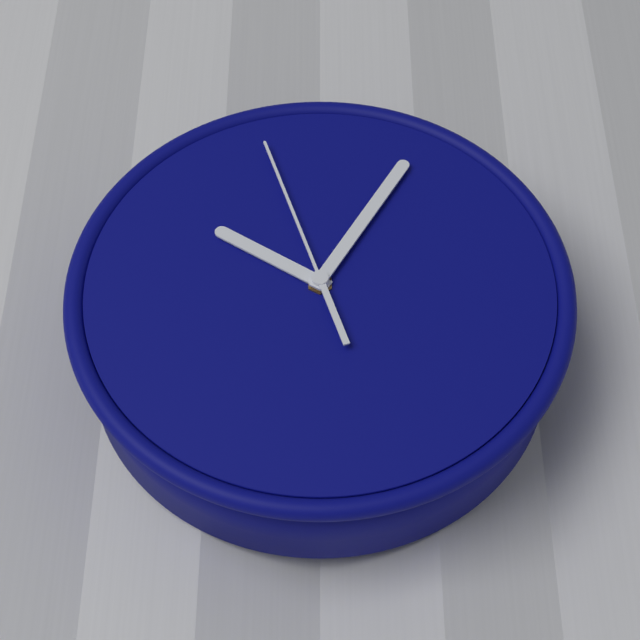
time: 10:05:57
